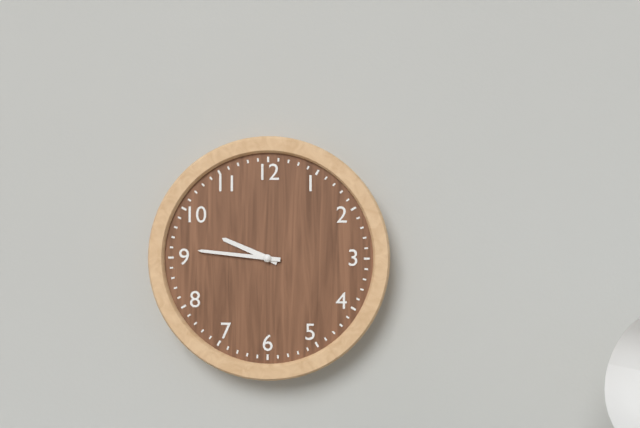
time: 9:46
